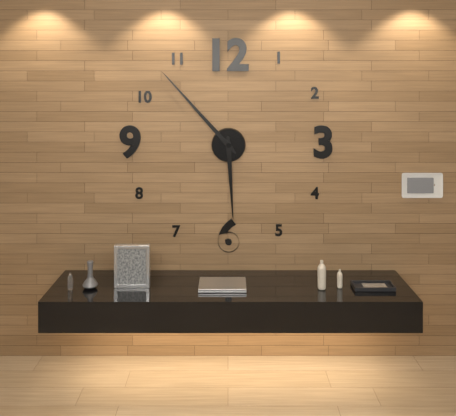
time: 5:53
